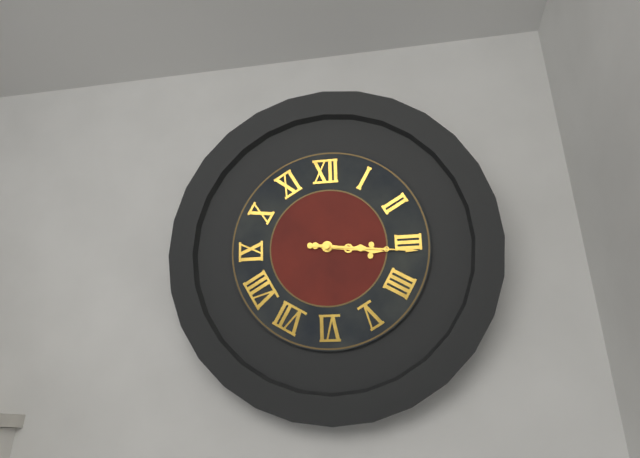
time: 3:16
